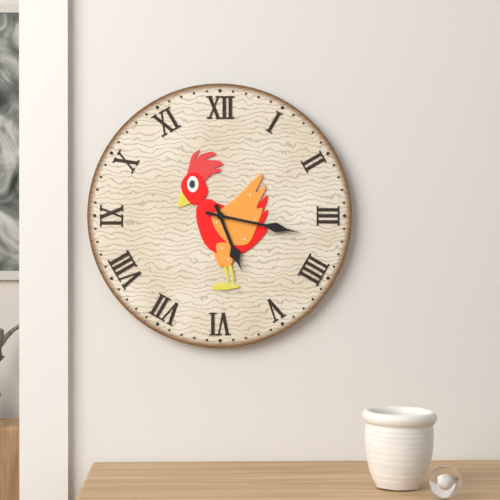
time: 5:17
